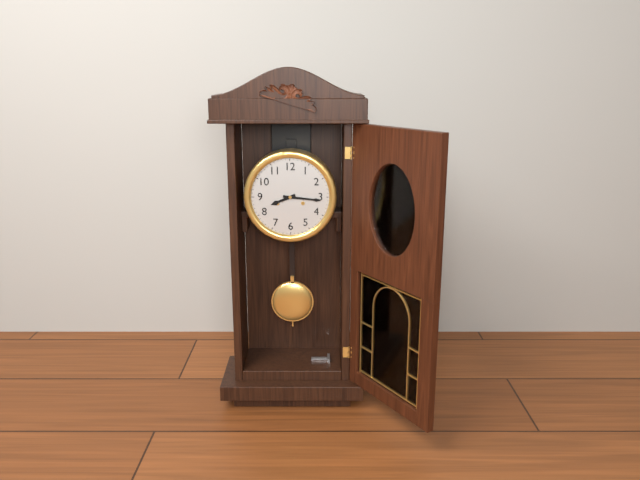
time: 8:16
